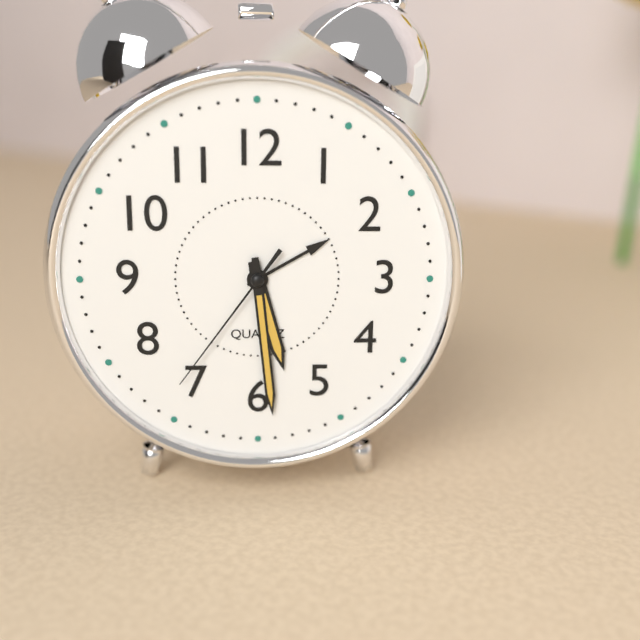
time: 5:29:36
